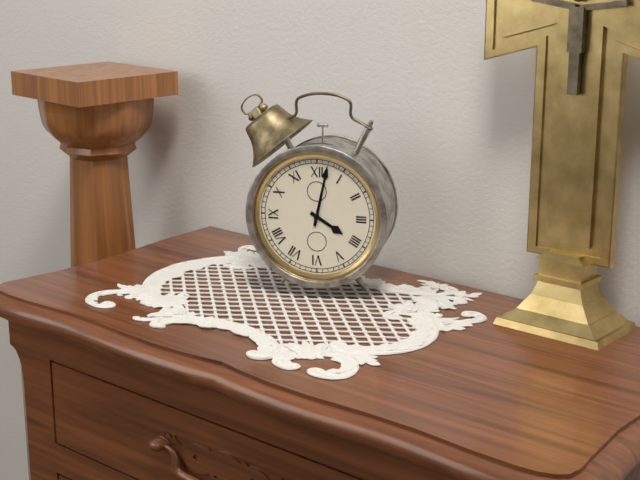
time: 4:02
